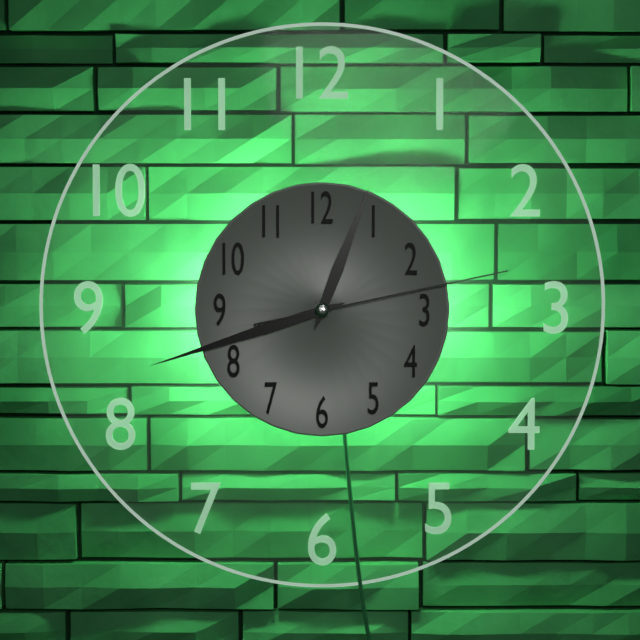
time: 12:42:13
